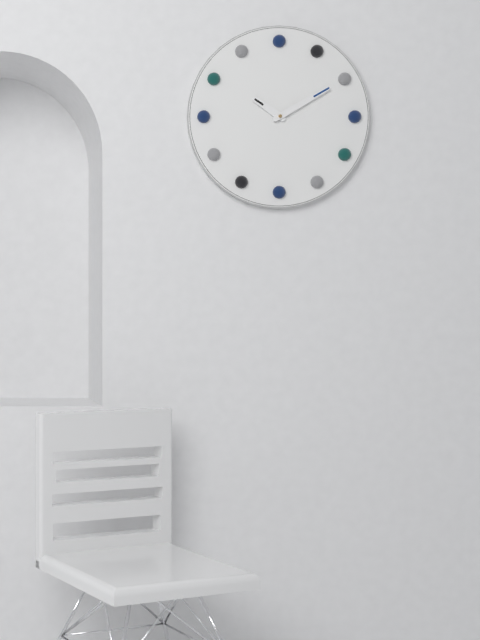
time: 10:10
